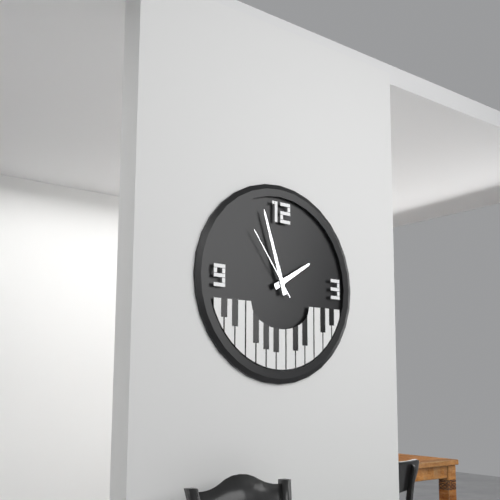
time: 1:57:54
